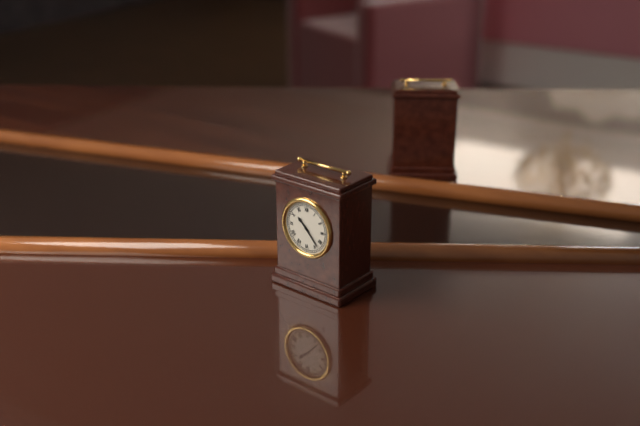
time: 10:23
